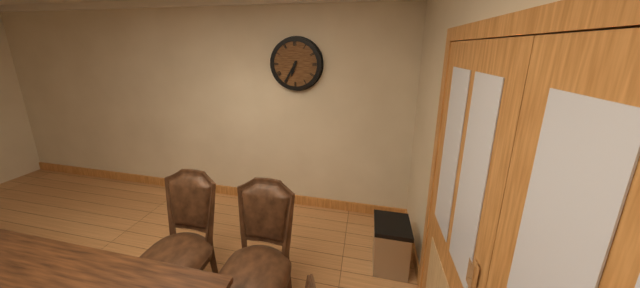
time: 6:35
